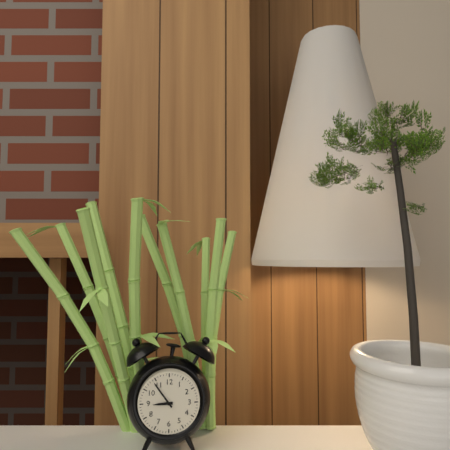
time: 8:54
